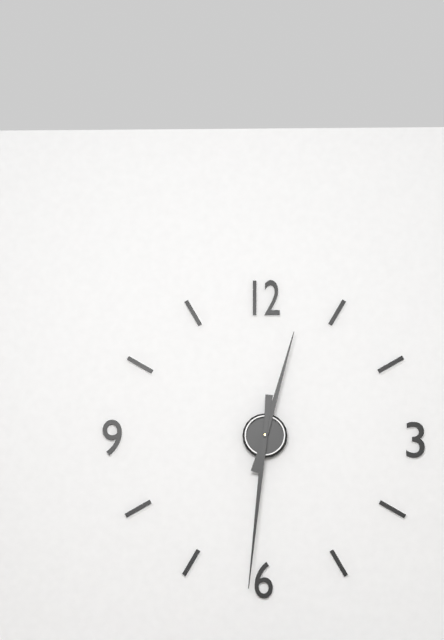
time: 12:31
